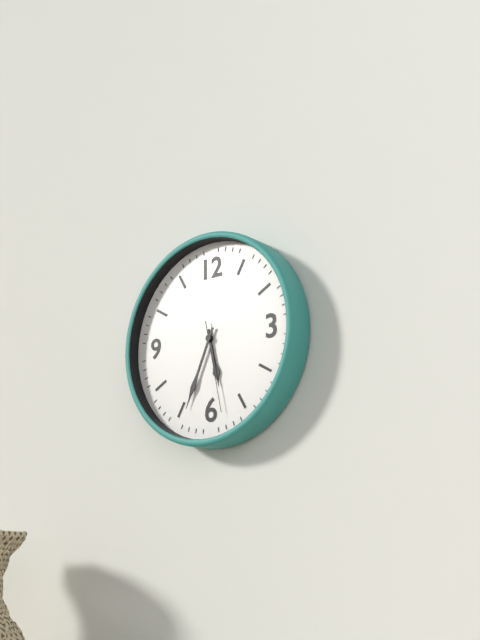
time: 5:34:28
